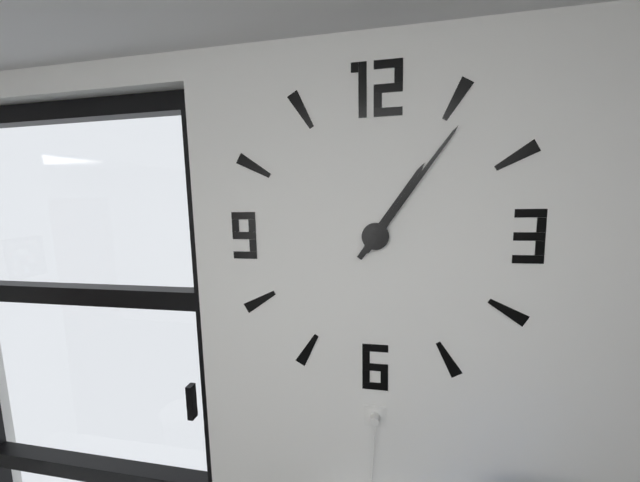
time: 1:06
